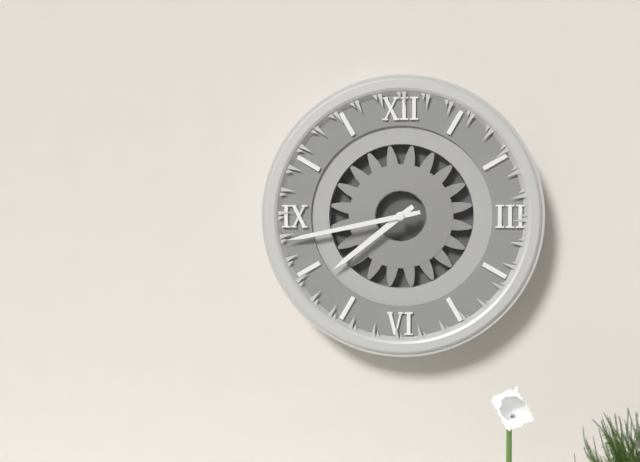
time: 7:43
